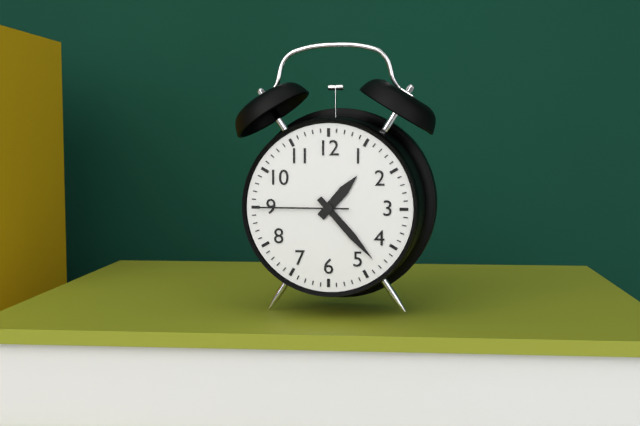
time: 1:23:45
